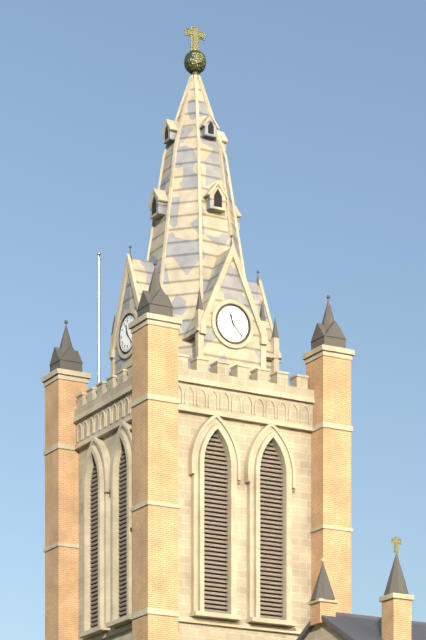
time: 11:23
